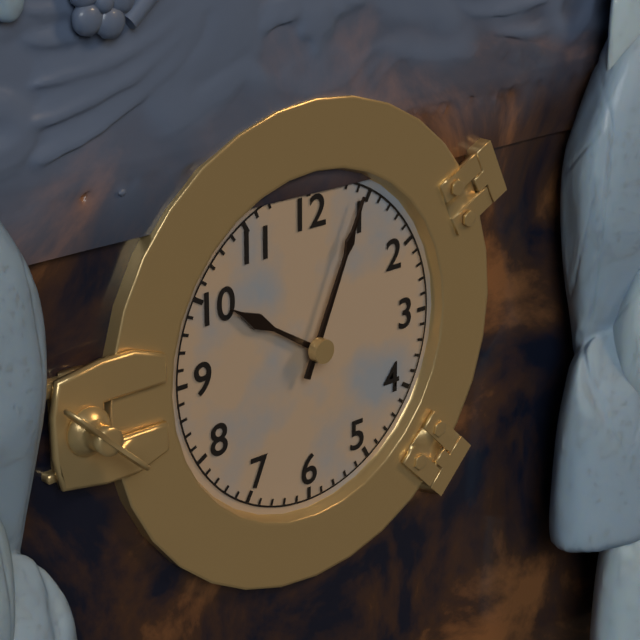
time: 10:04
